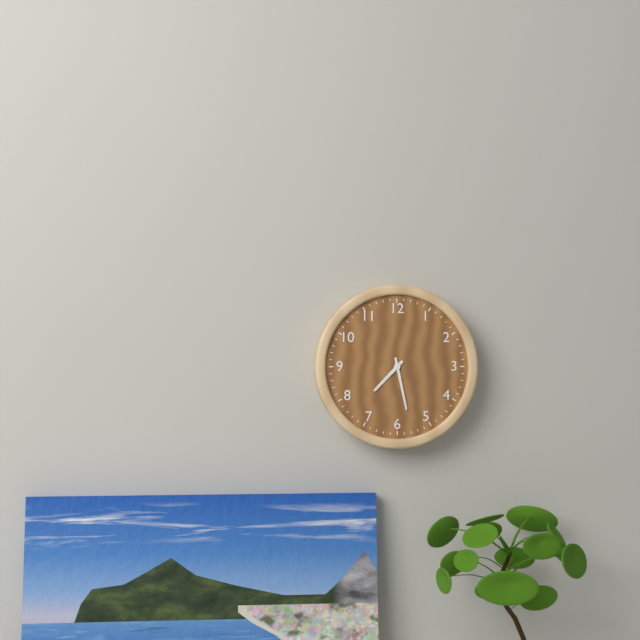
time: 7:28
